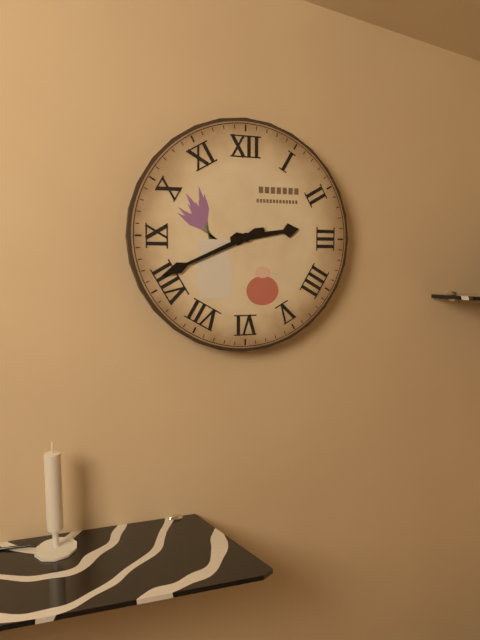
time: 2:41
